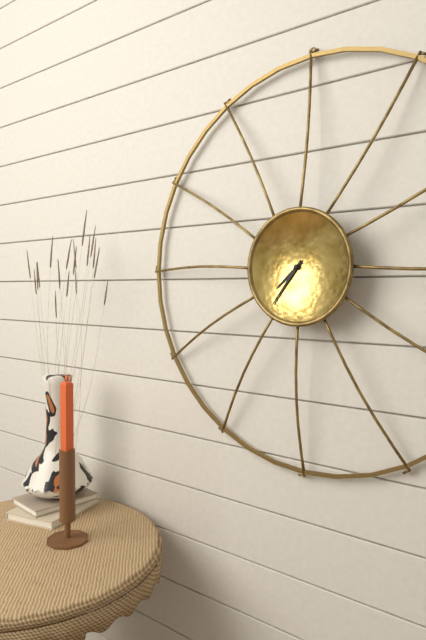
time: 7:36
